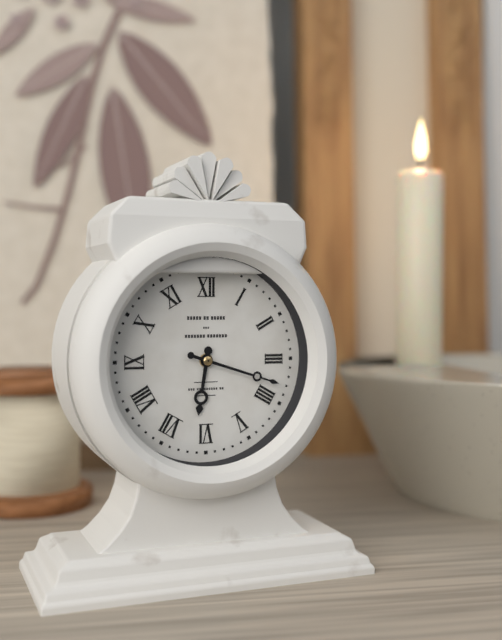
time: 6:18
